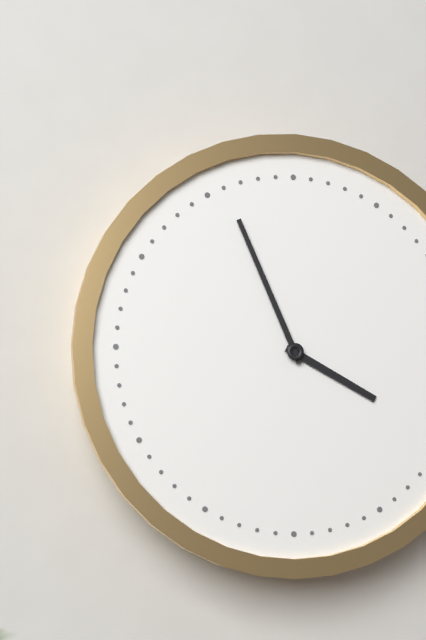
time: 3:56
